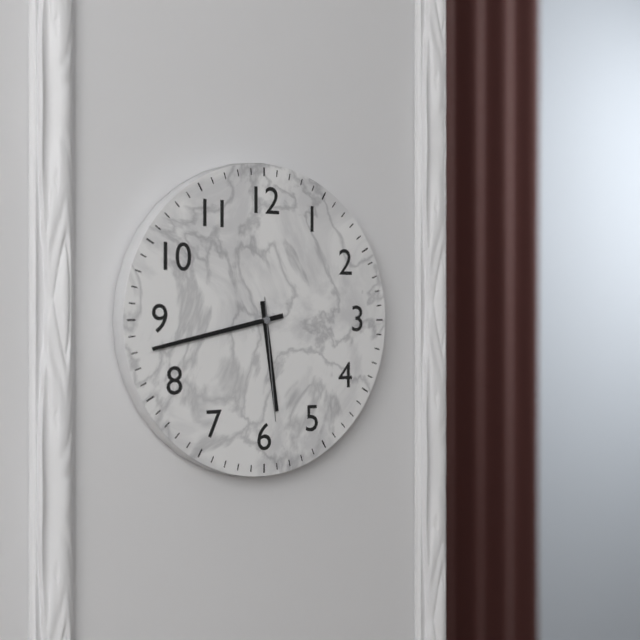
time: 5:43:29
